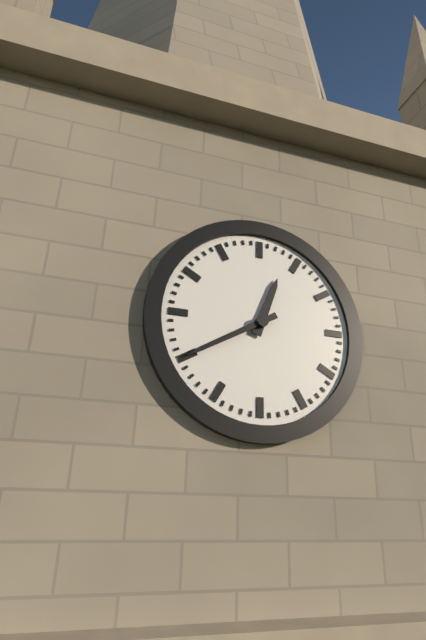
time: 12:40
